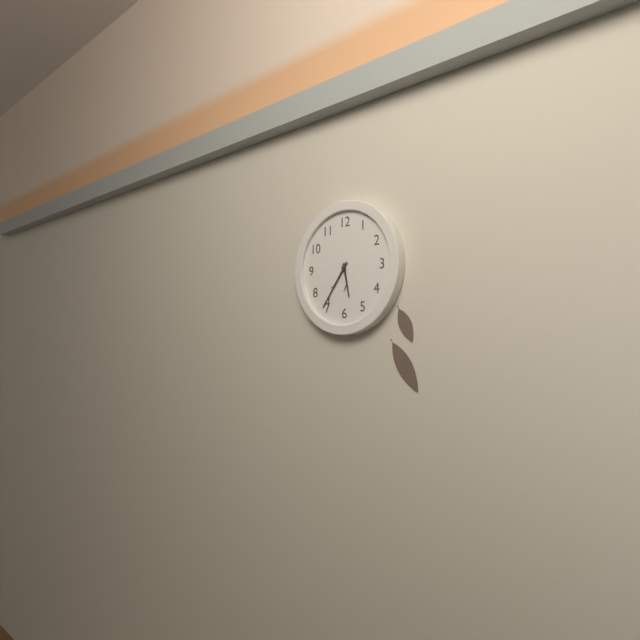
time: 5:36
